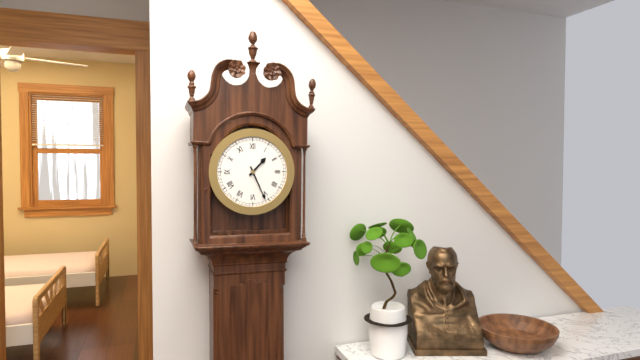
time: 1:26
